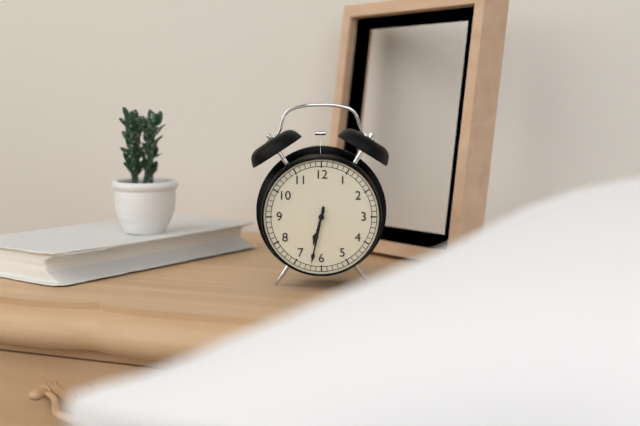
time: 6:32
